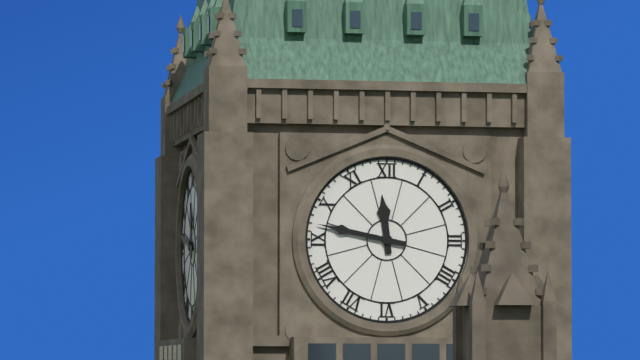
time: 11:47
